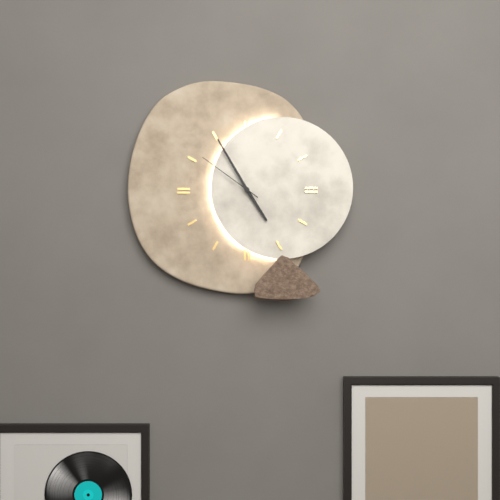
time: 4:55:51
